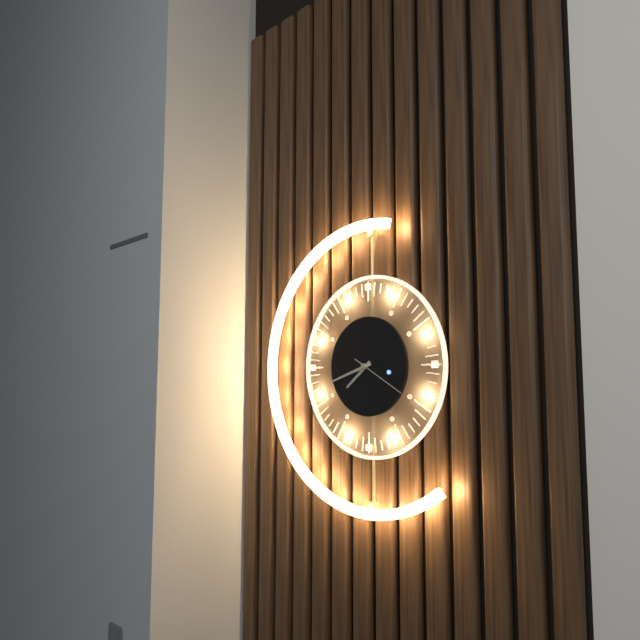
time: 7:42:20
